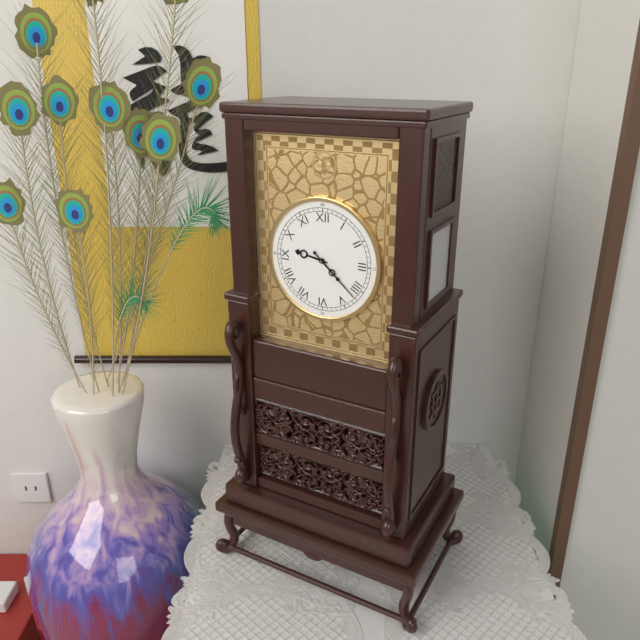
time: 9:22
